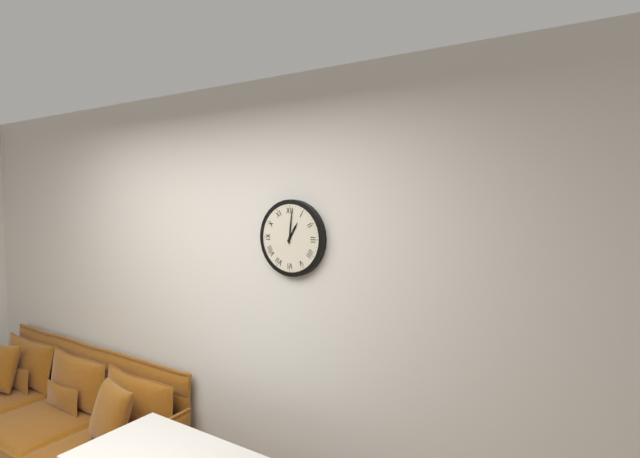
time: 1:01
